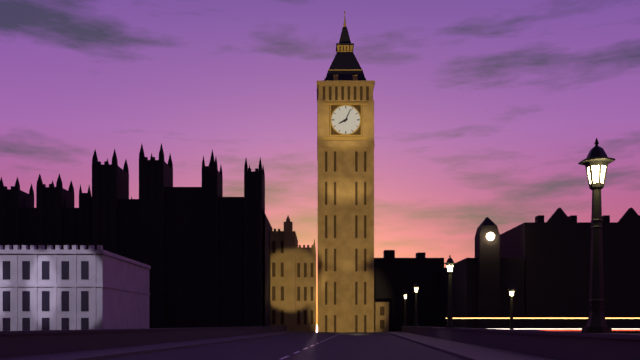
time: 8:04
